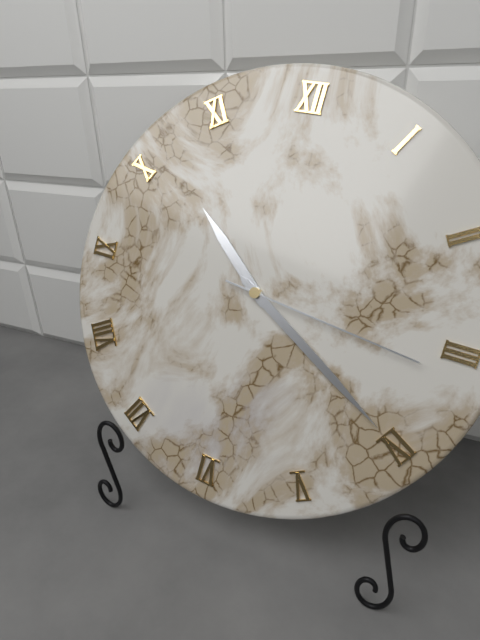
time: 10:20:16
